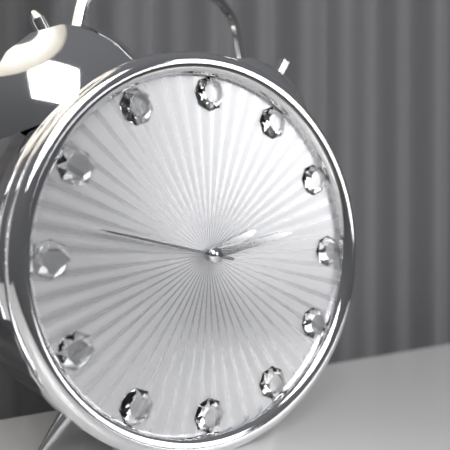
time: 2:13:47
